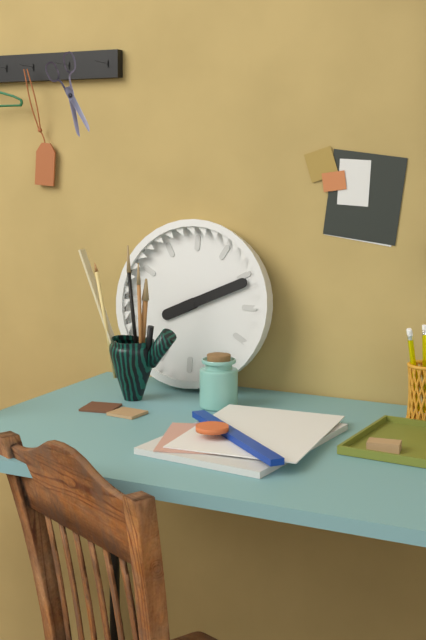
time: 8:11
